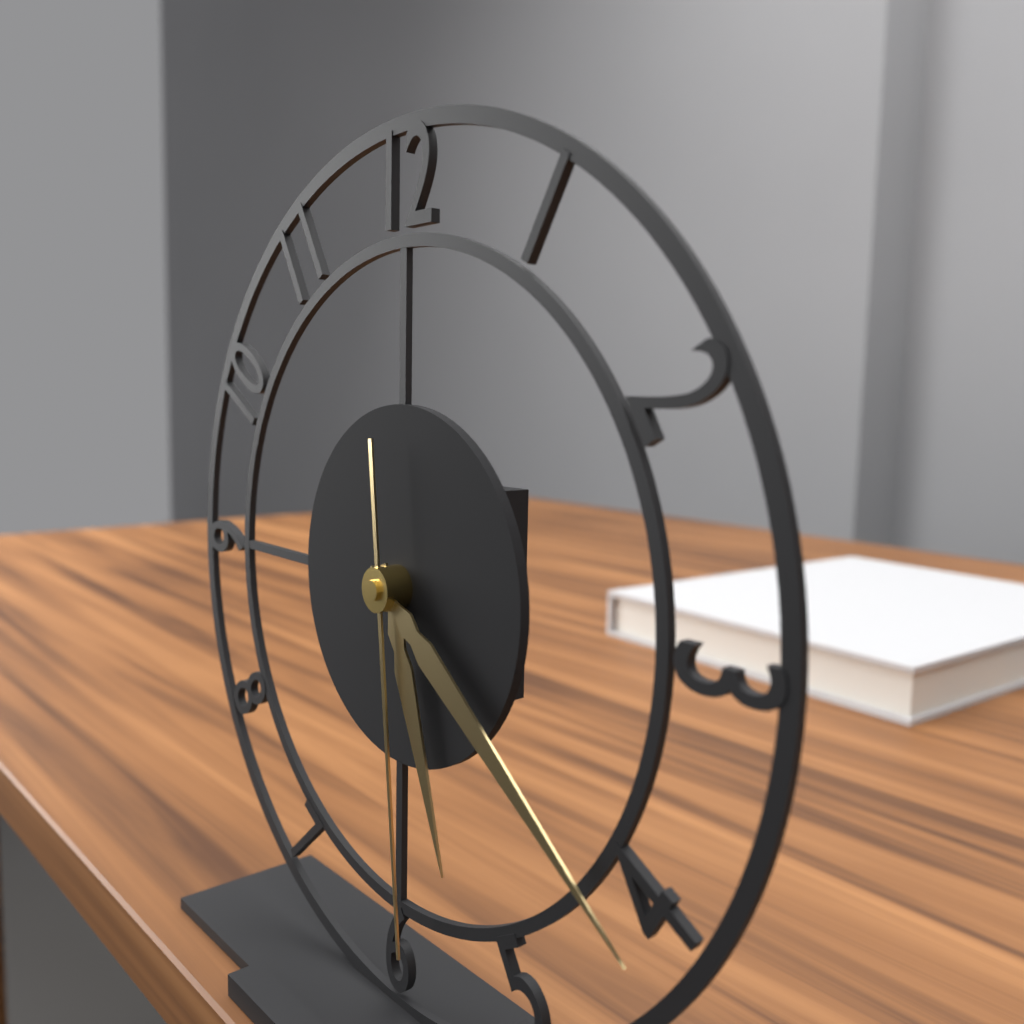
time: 5:21:29
